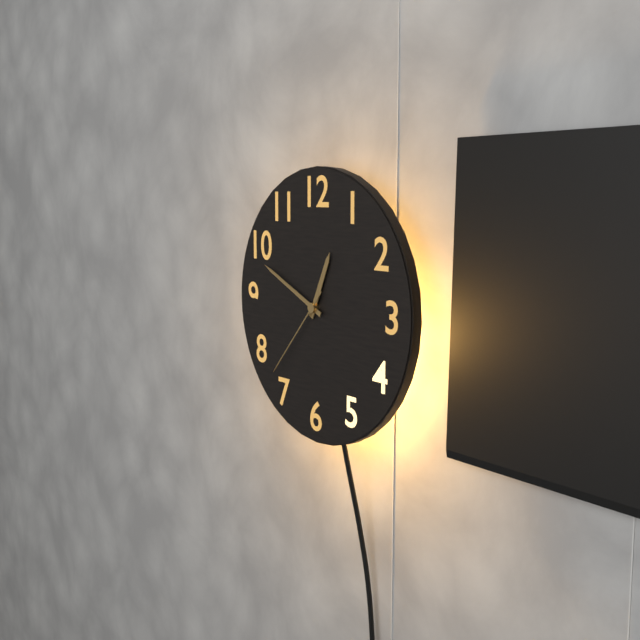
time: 12:49:37
